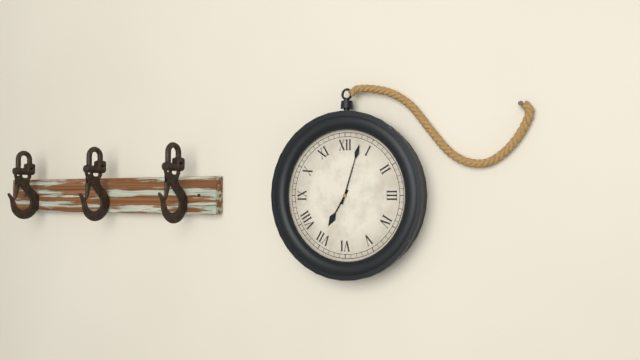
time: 7:03
